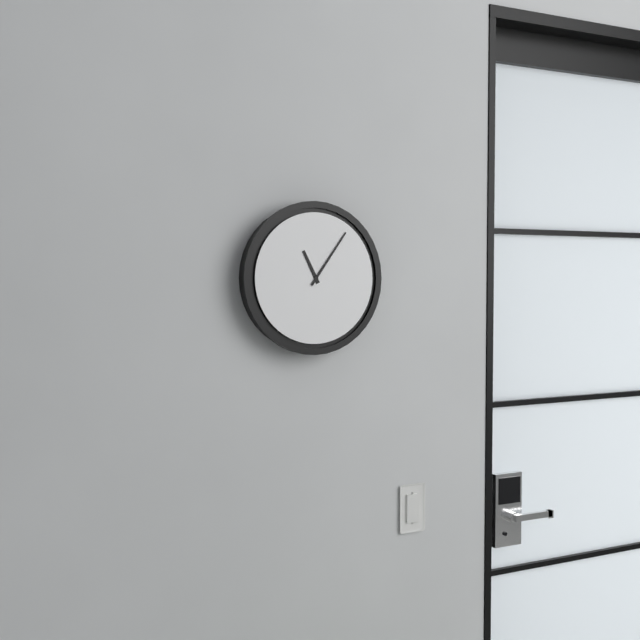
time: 11:06
